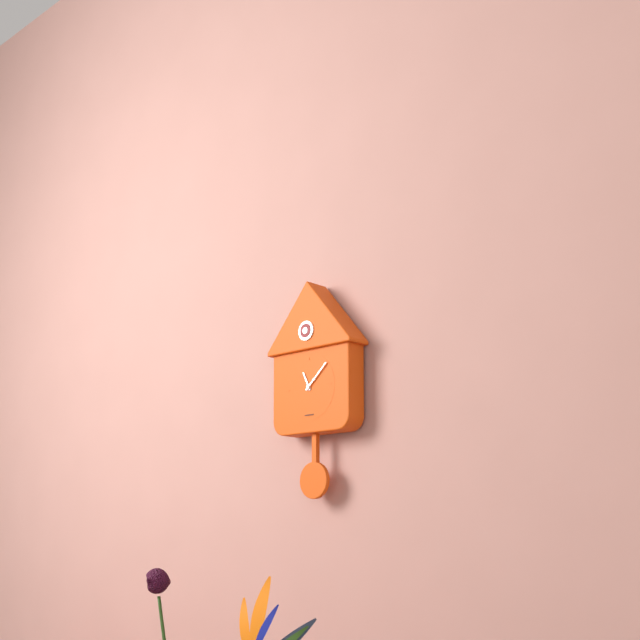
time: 11:08
